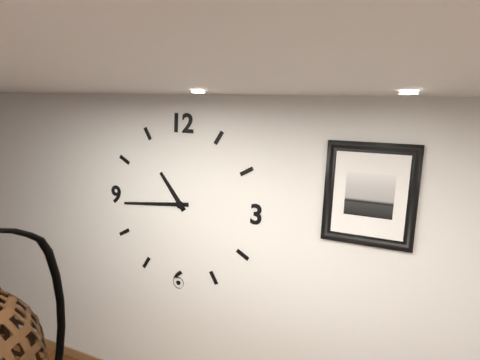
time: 10:44
